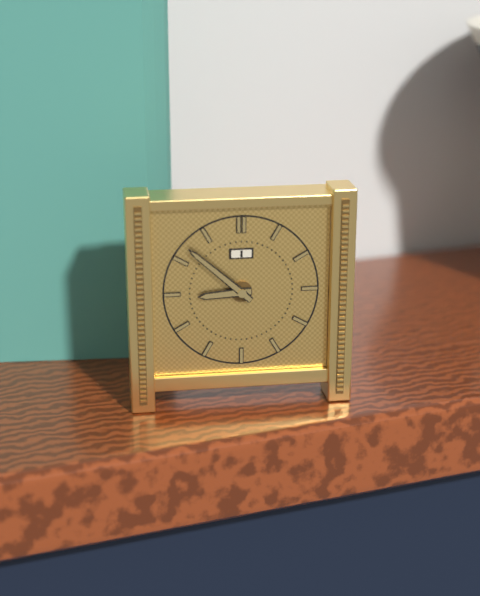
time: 8:52
